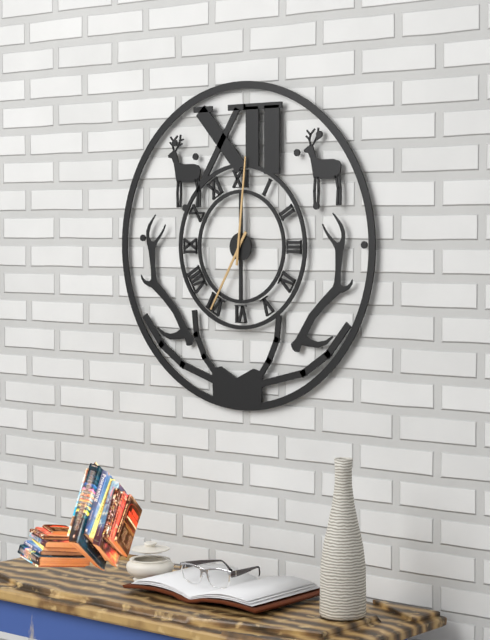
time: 7:01
